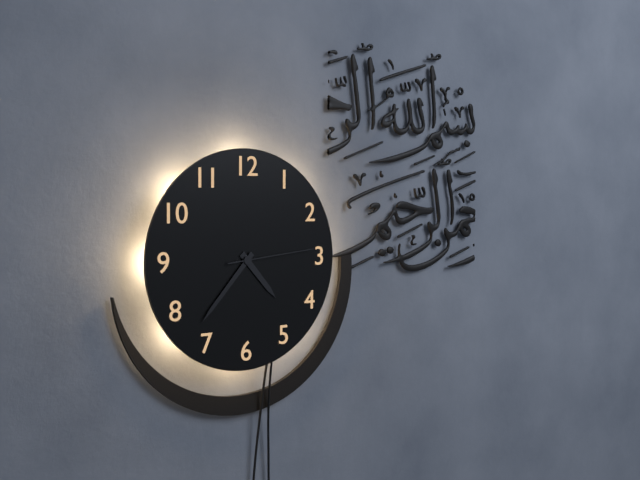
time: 4:37:14
